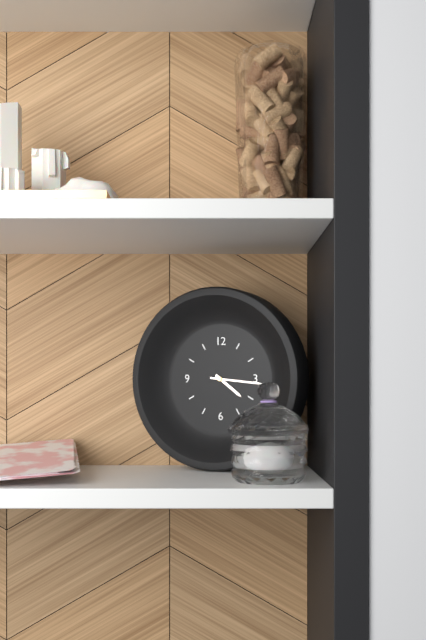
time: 4:16
